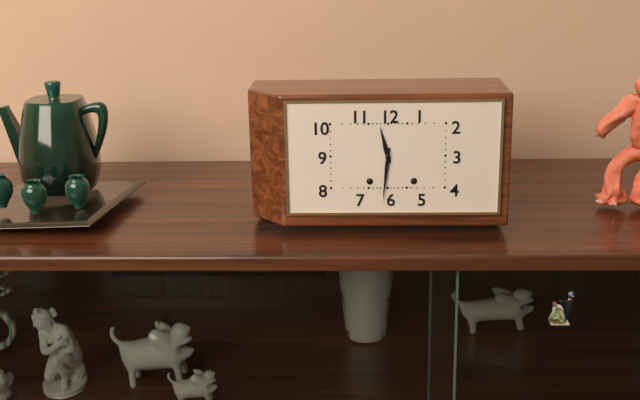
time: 11:31
